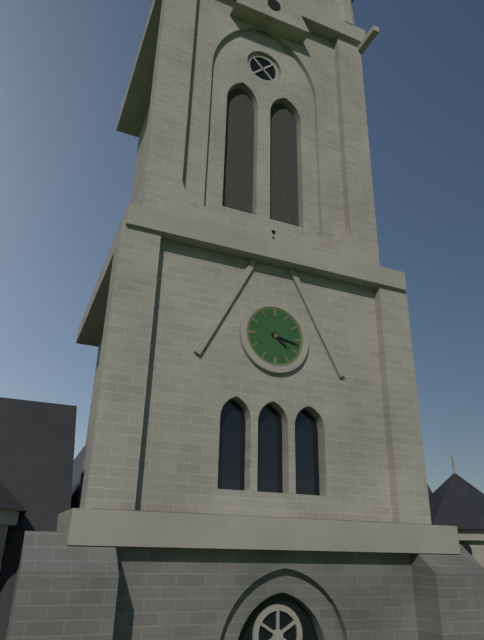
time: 4:17
